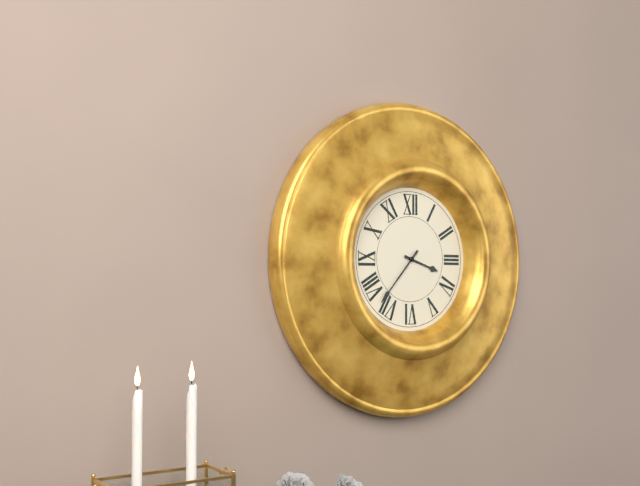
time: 3:37
